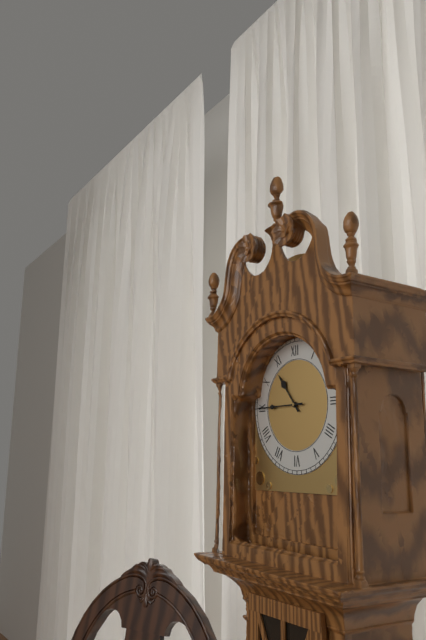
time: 10:45
